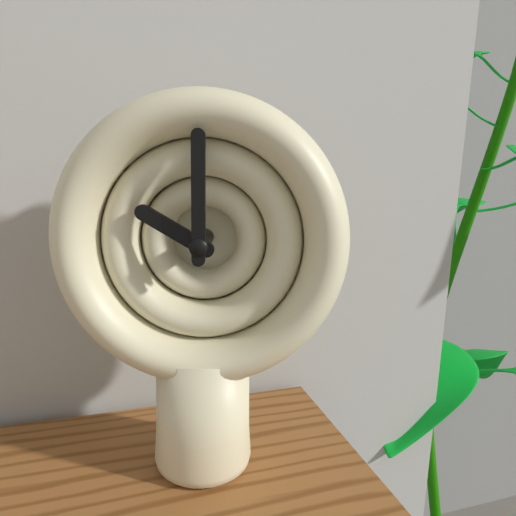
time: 10:00
